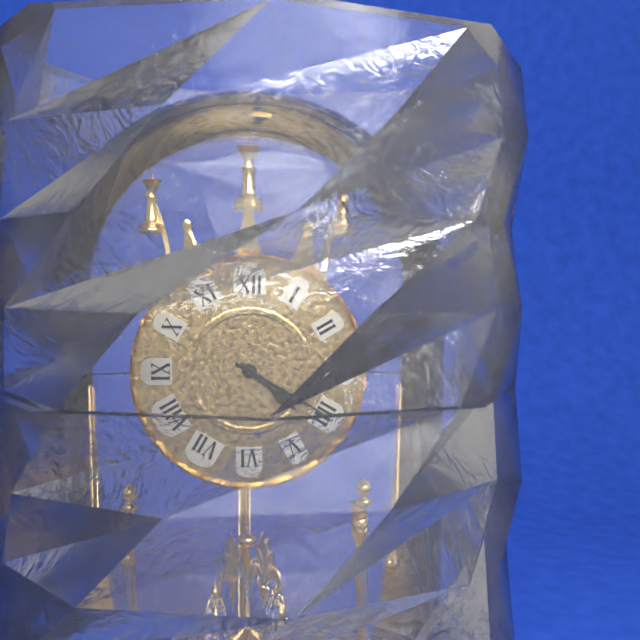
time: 4:20
